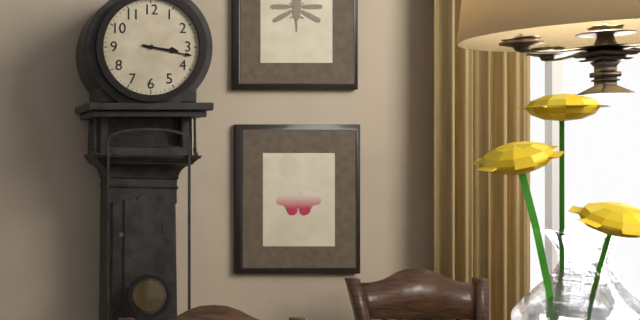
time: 3:17
